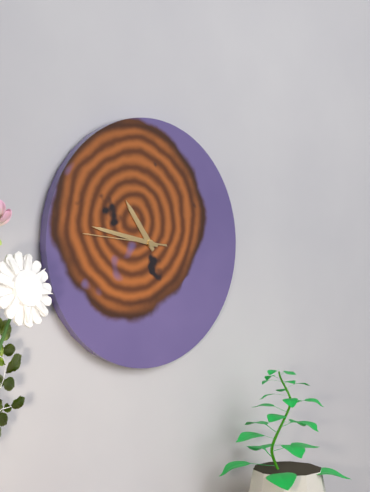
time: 10:47:46
